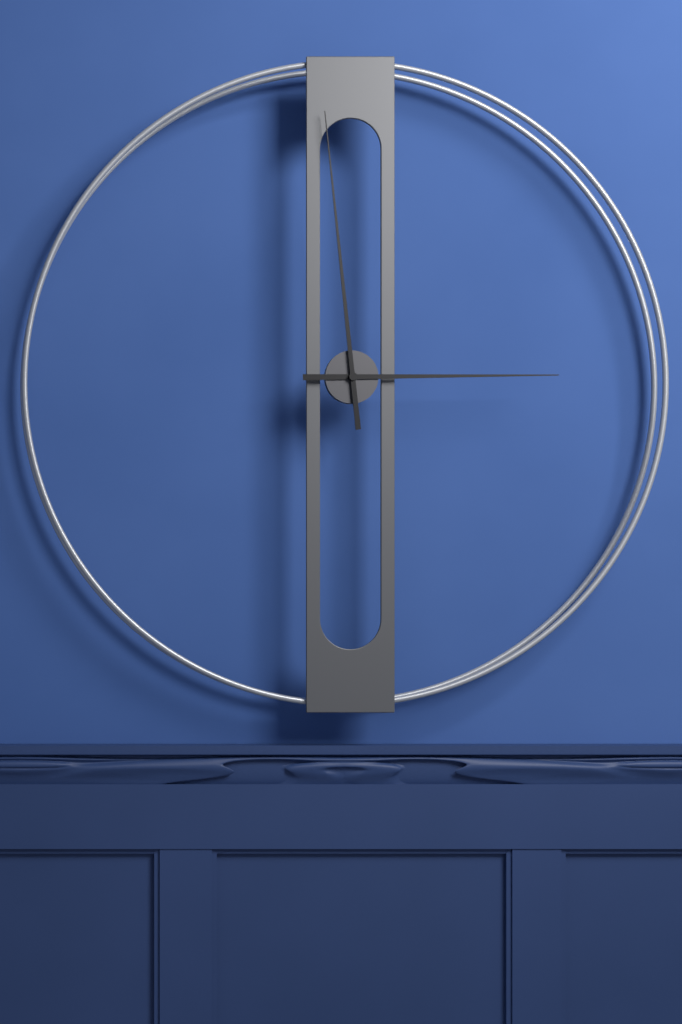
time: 2:59
